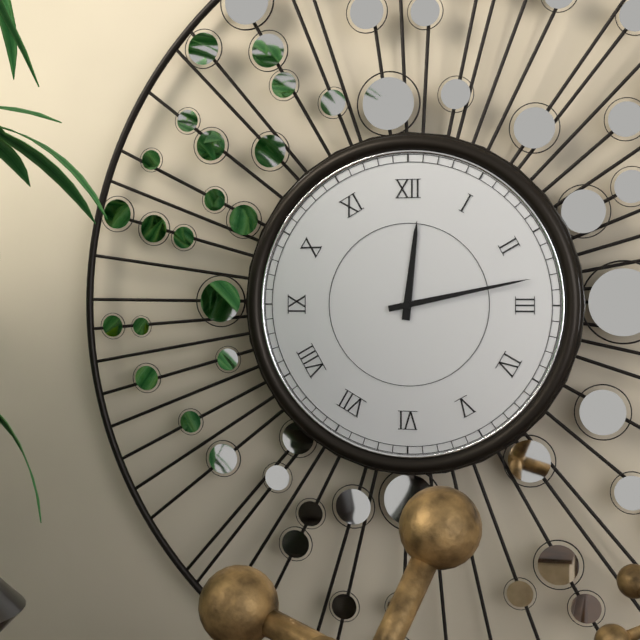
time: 12:13
